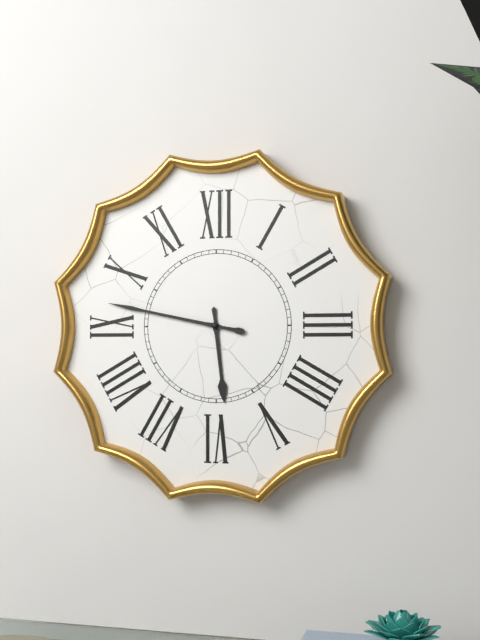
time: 5:47
